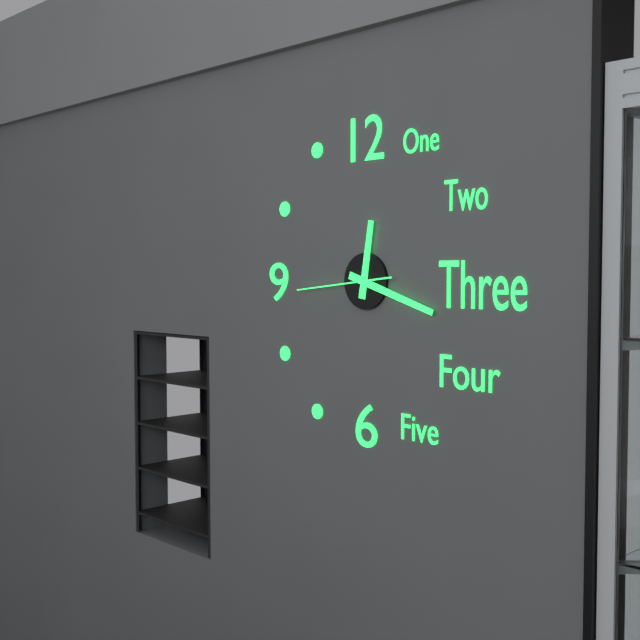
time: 12:18:44
